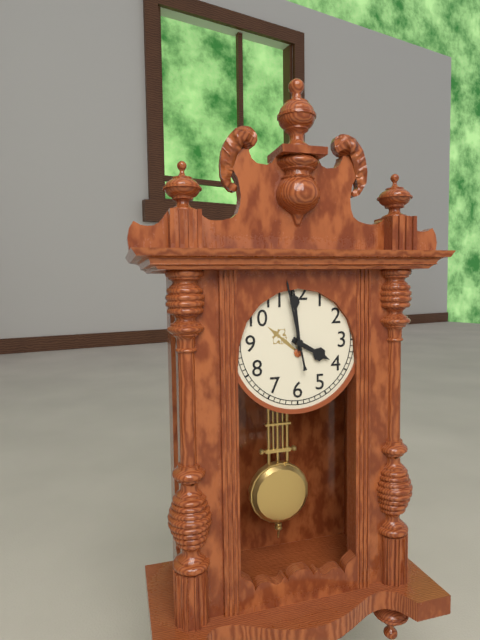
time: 3:59:58
